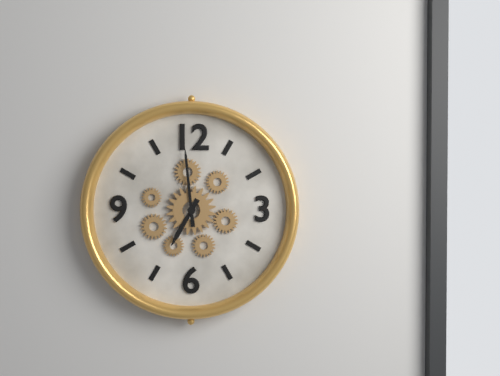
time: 6:59
